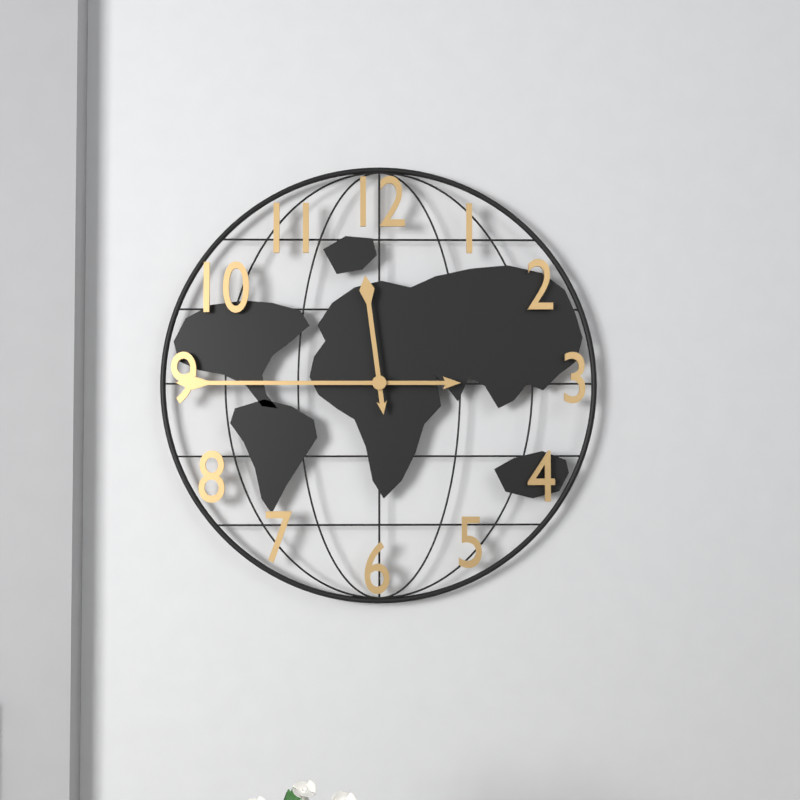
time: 11:45
